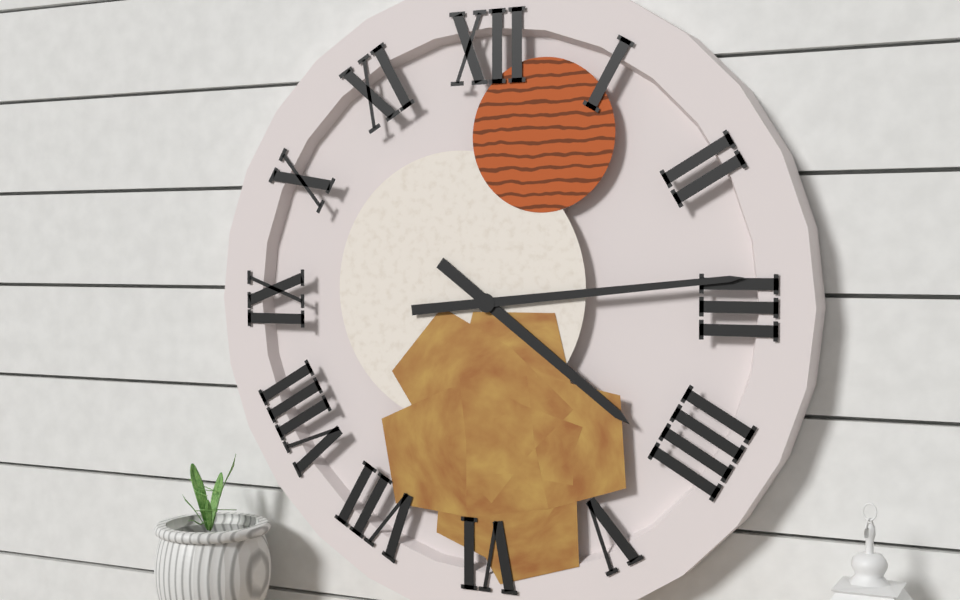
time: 4:14
